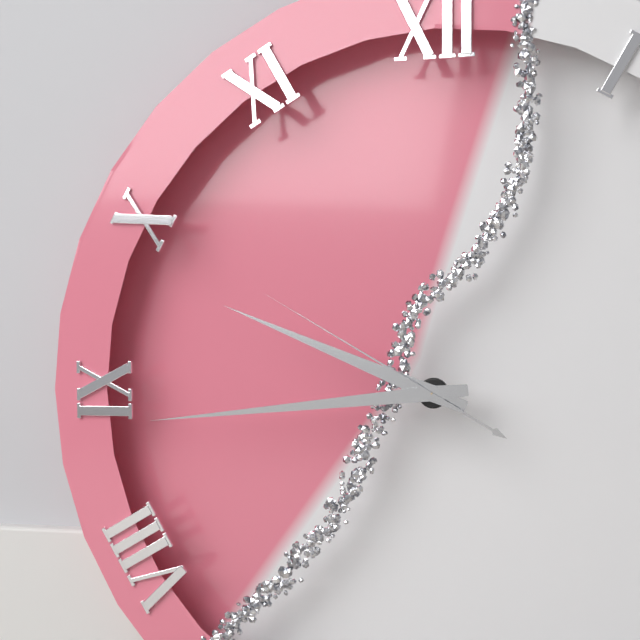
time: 9:44:50
